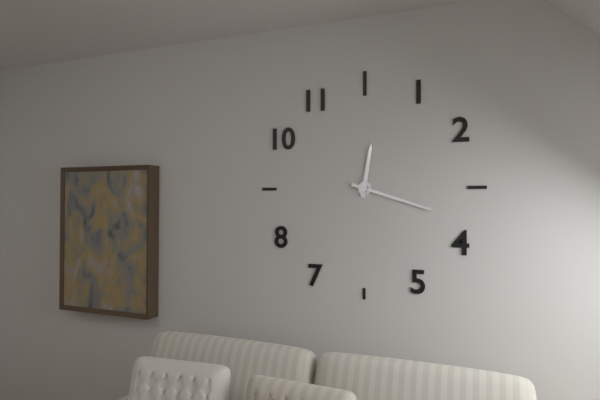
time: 12:18
